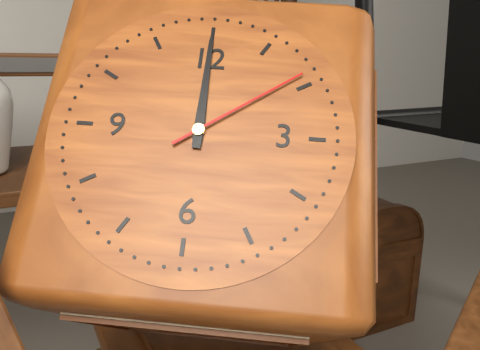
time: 12:00:09
